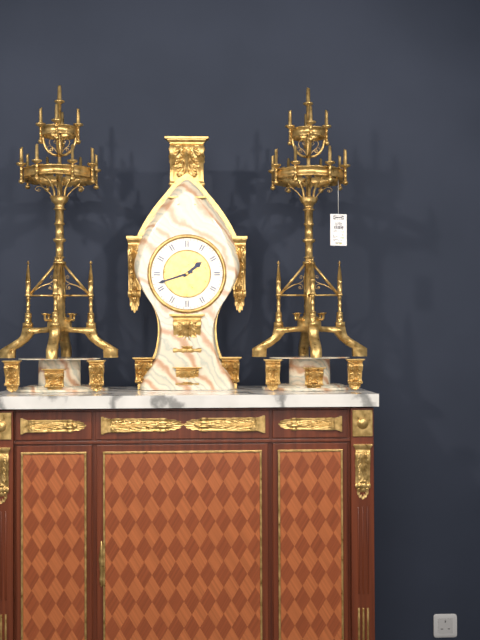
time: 1:42
